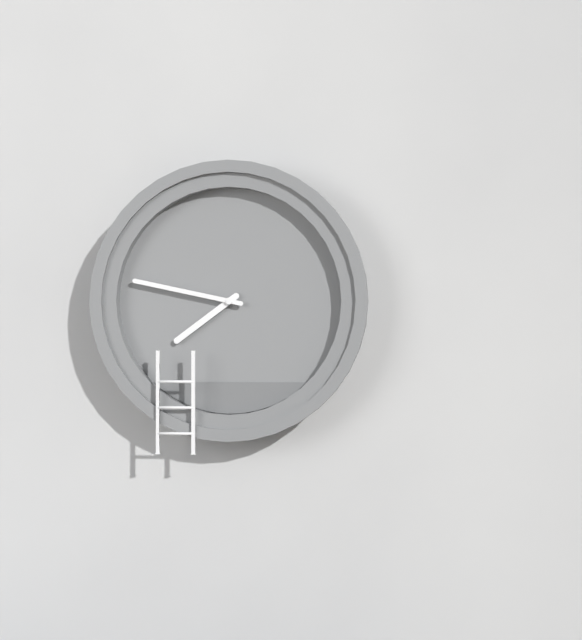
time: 7:47
